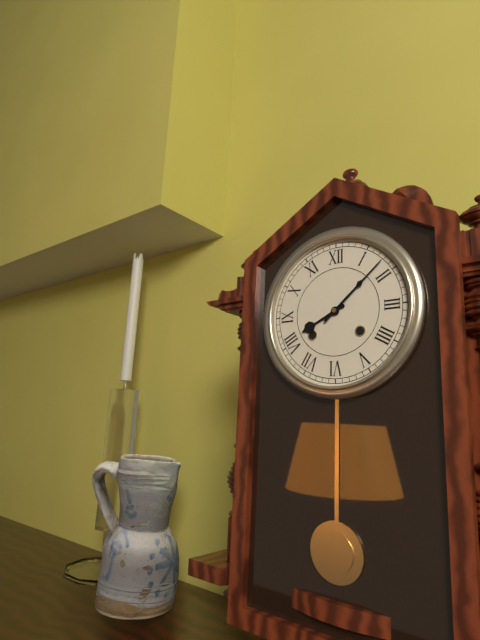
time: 8:08
